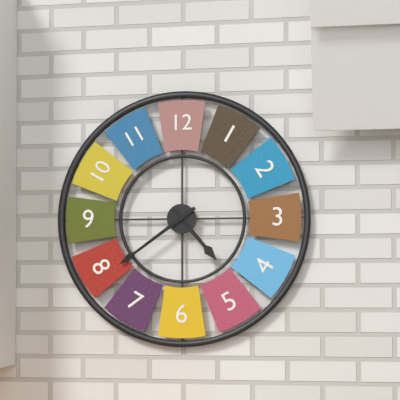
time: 4:39
